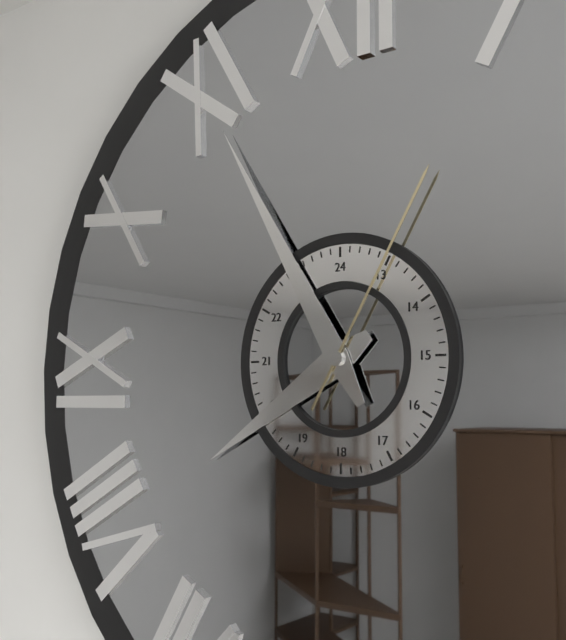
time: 7:55:05
